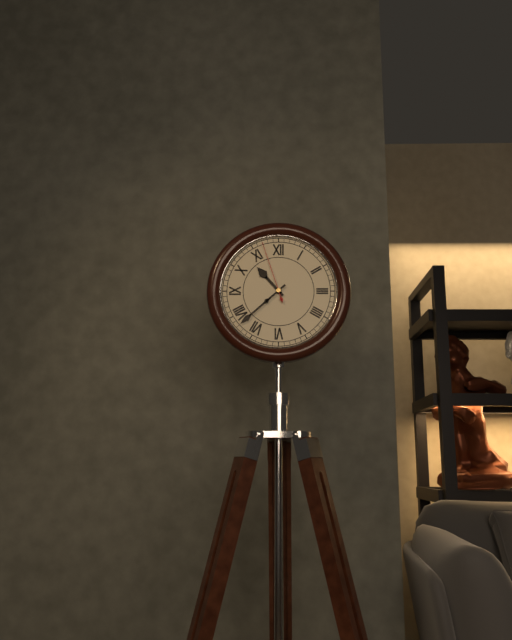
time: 10:38:57
